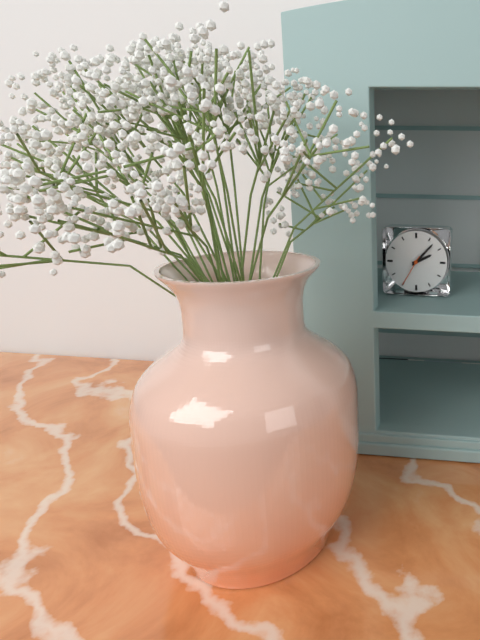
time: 2:07
